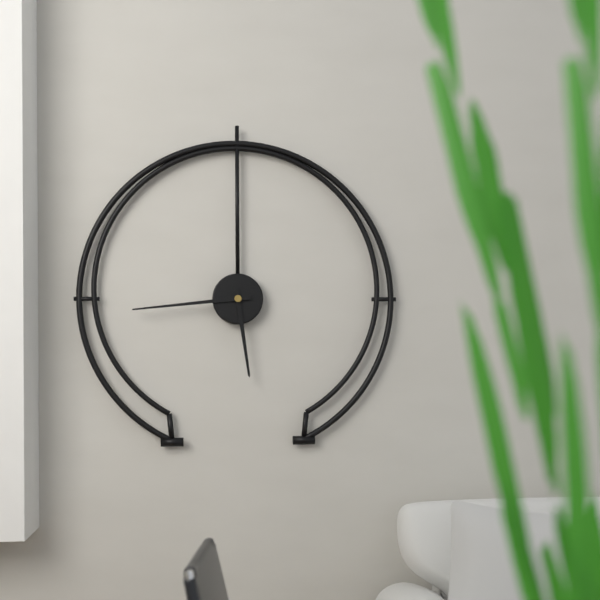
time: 5:44
